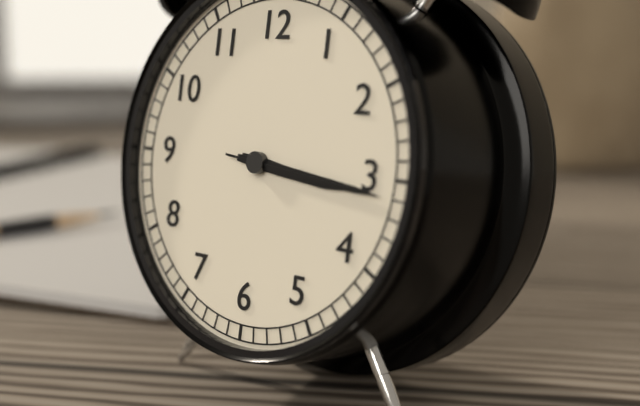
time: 3:16:16
